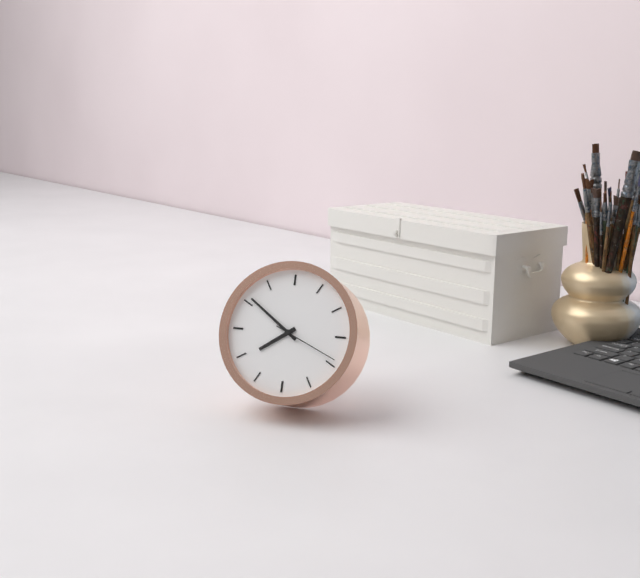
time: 7:51:19
